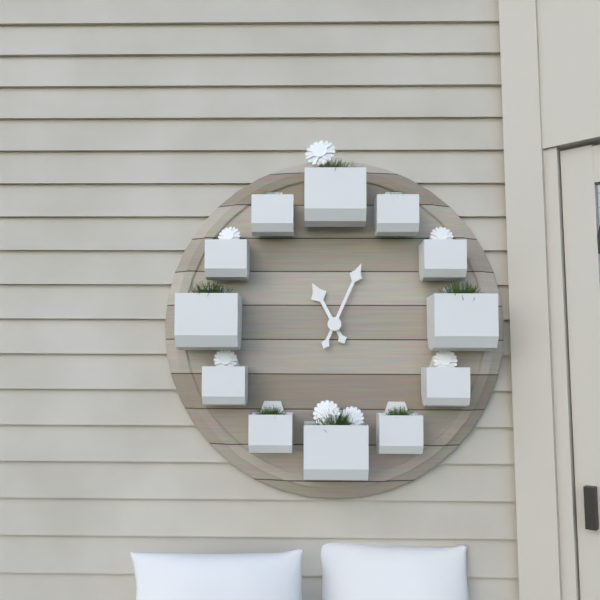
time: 11:04
